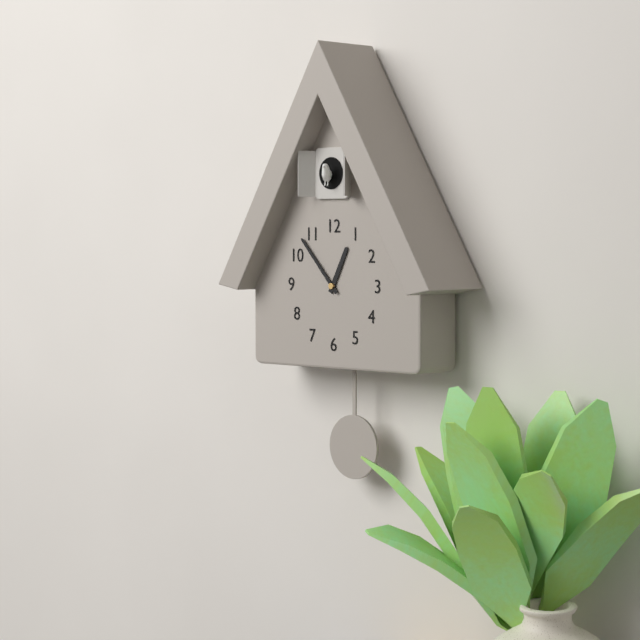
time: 12:53
